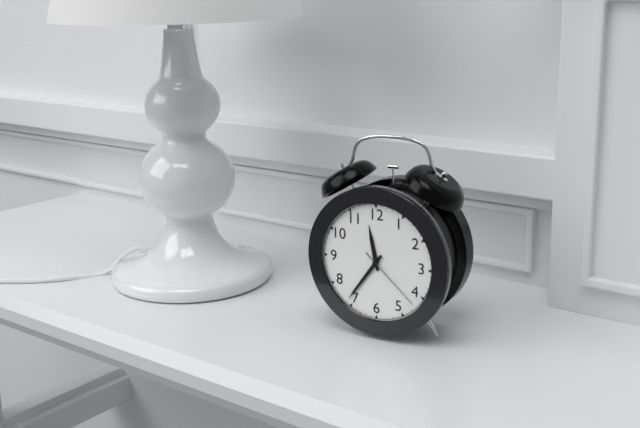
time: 11:36:22
